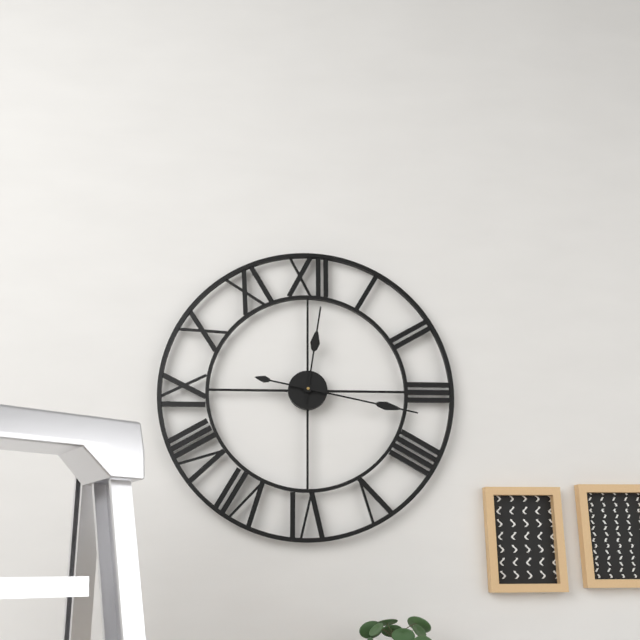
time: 12:17
